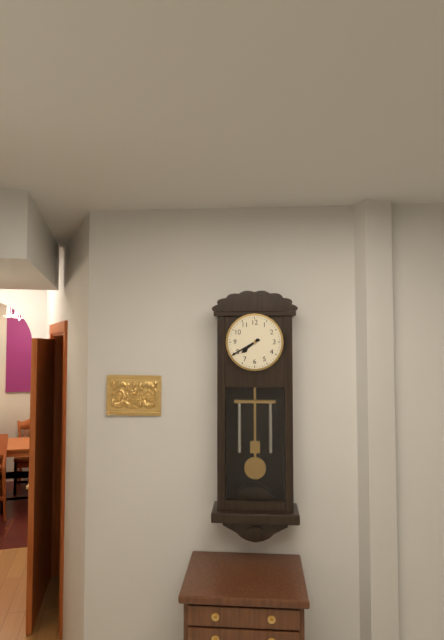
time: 7:40
